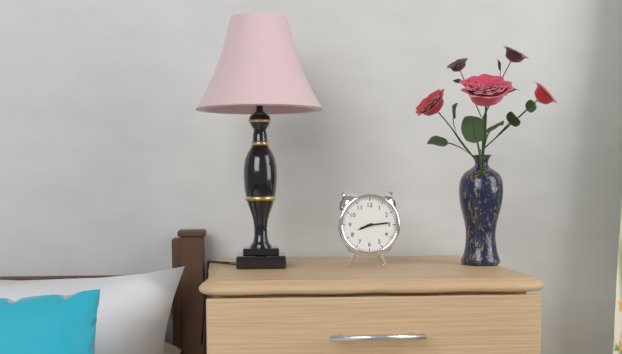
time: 8:14
